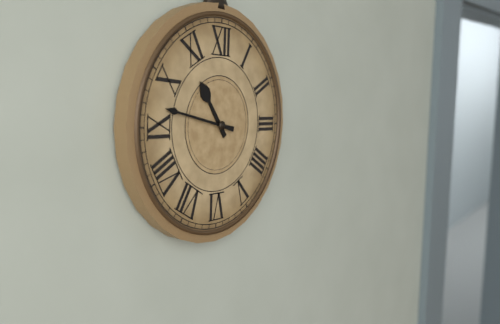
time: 10:47
